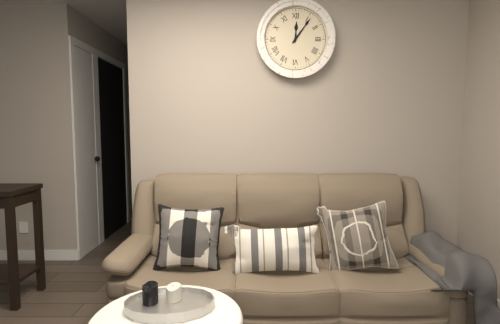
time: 12:06
